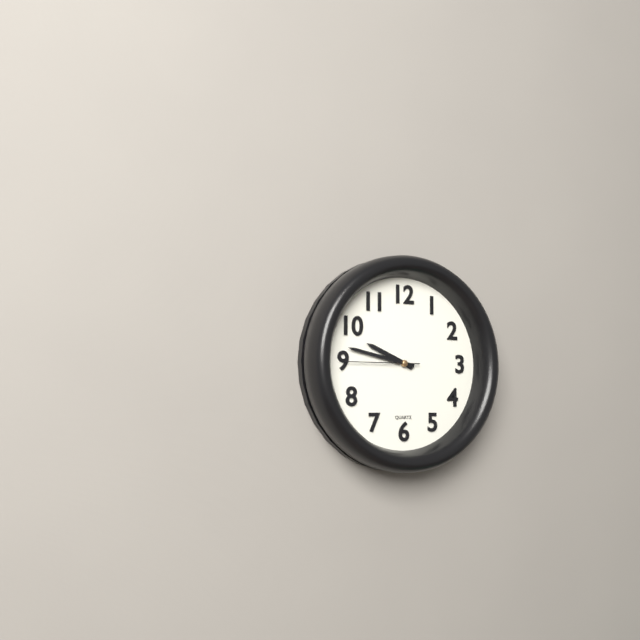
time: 9:47:45
